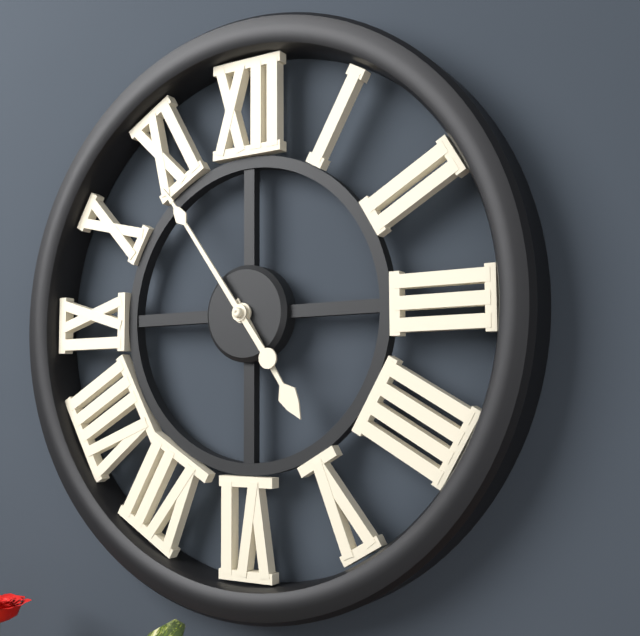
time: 4:54
